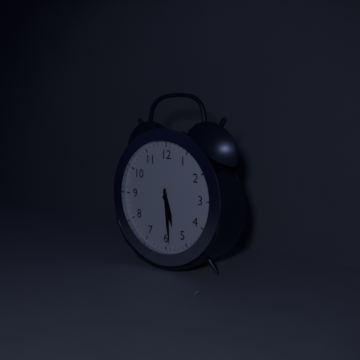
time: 5:29
